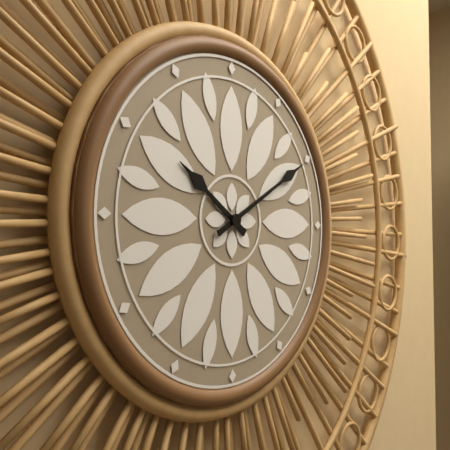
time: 10:10
